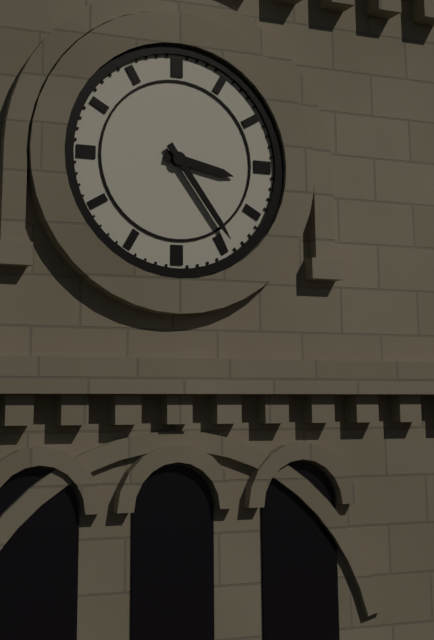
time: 3:24
